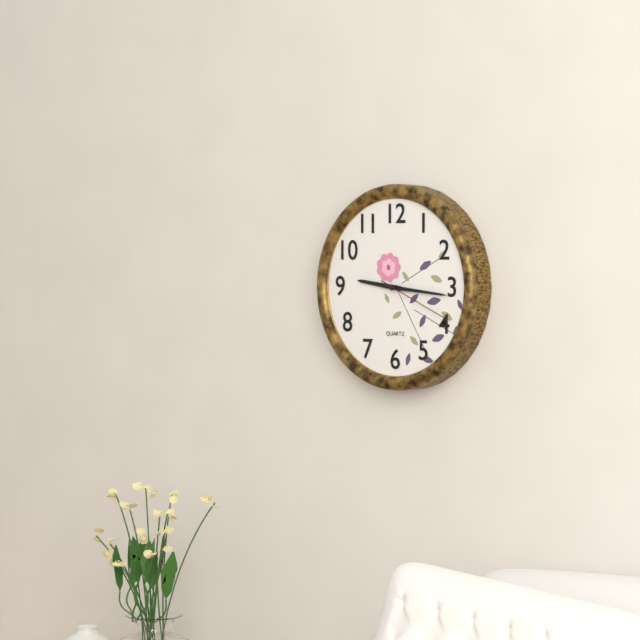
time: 9:16:19
